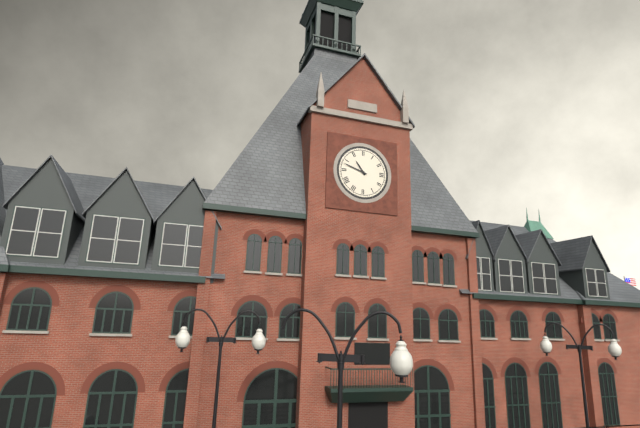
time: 10:48
